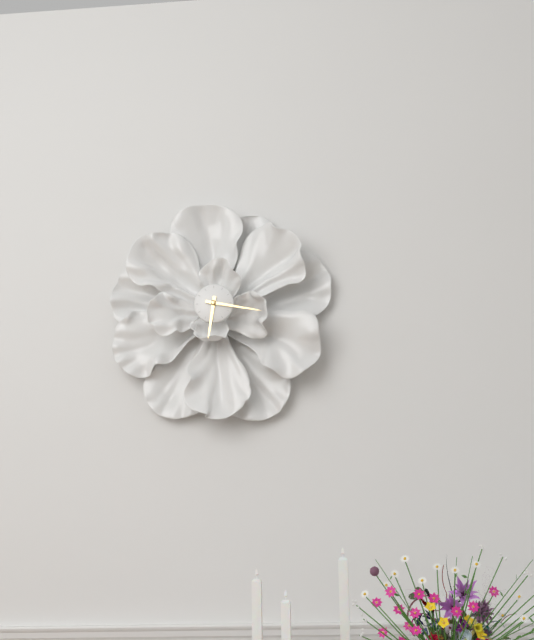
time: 6:17
